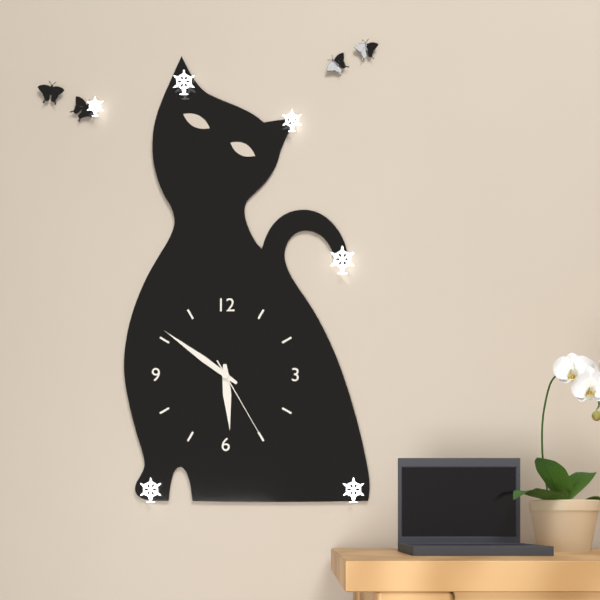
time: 5:51:25
